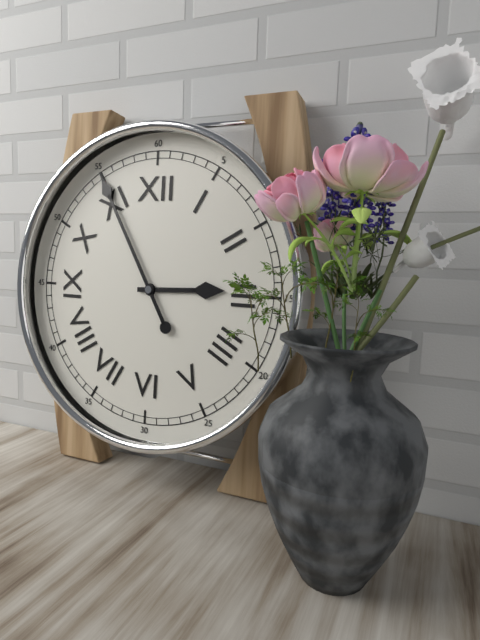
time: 2:55
